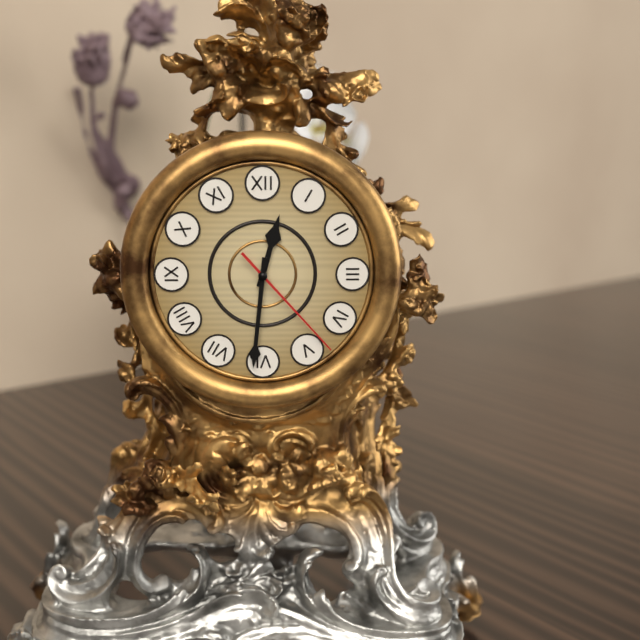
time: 12:31:23
